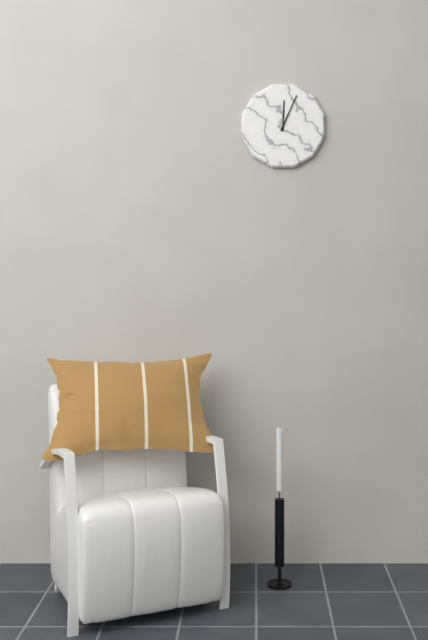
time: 12:04
